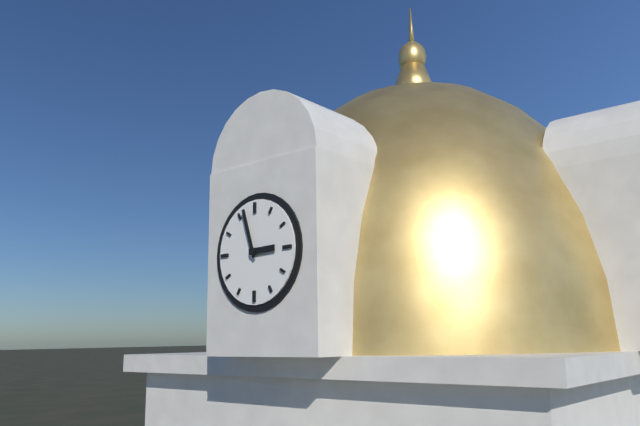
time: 2:57
